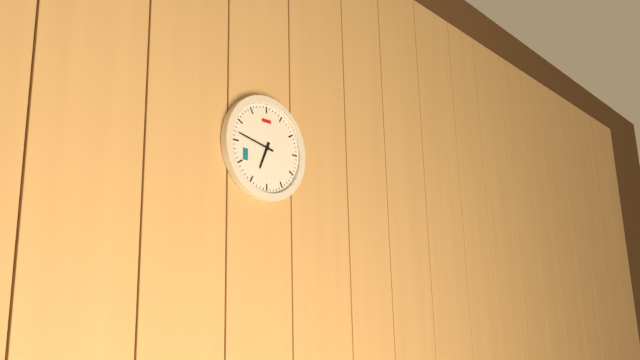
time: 6:47
